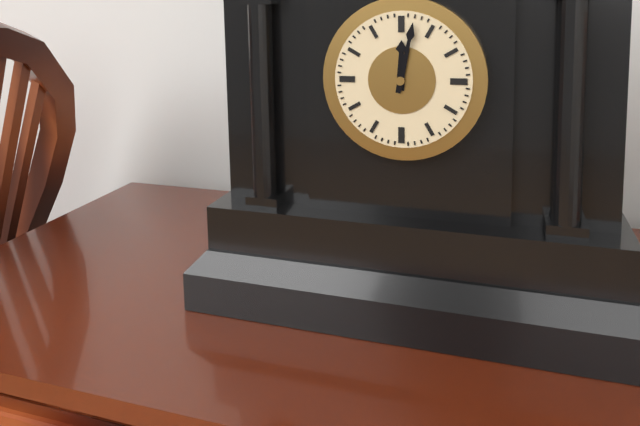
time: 12:02
